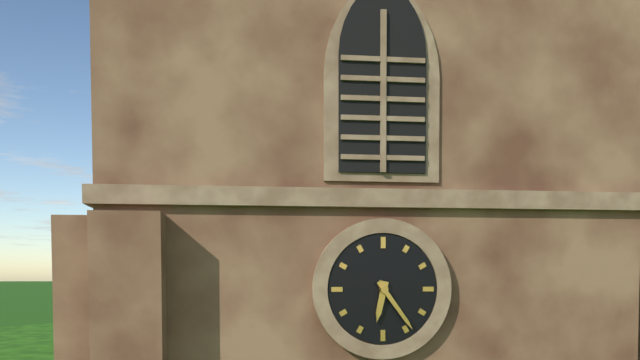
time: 6:24
